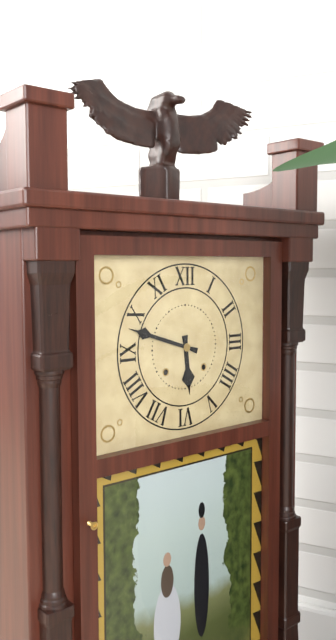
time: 5:48
